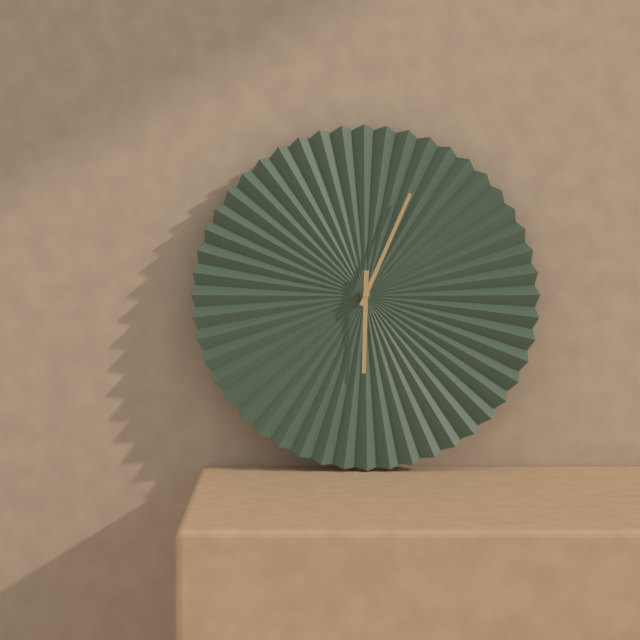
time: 6:04
